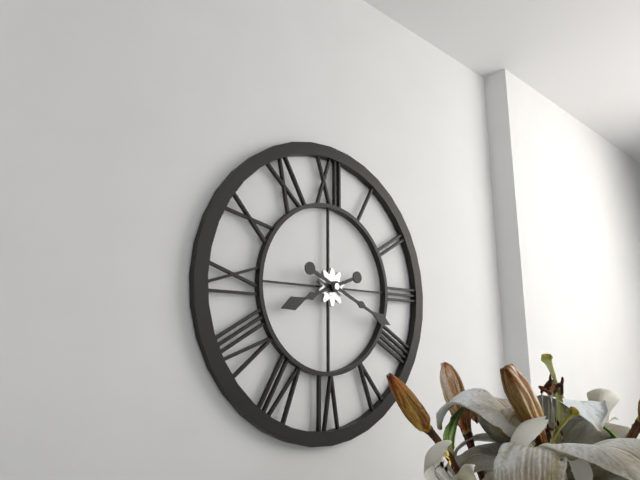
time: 8:19
